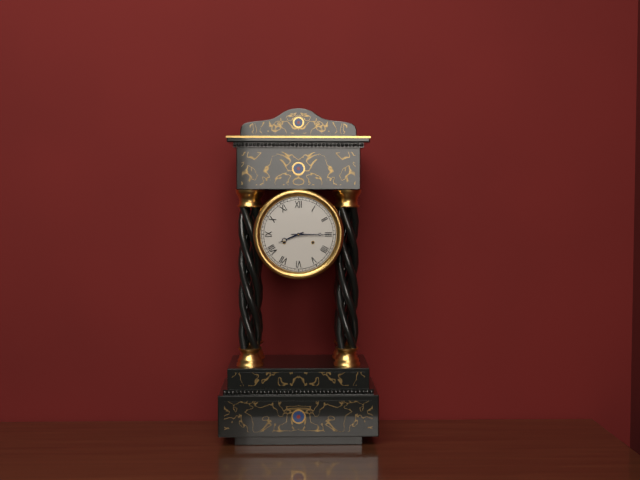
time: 8:15
